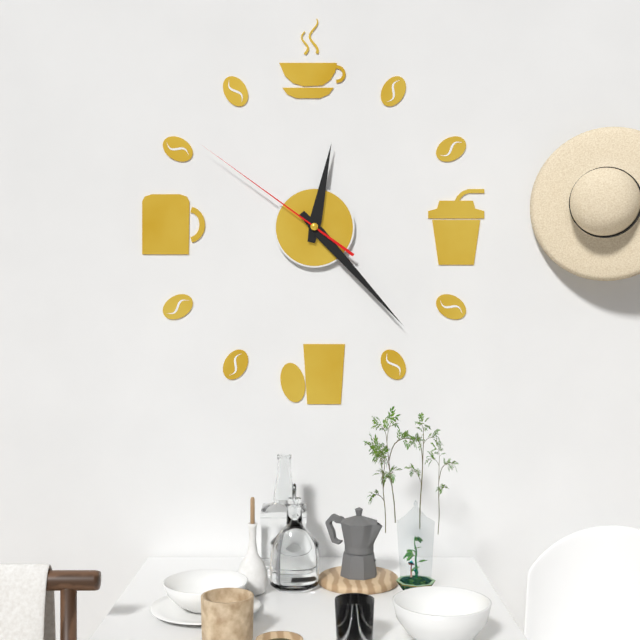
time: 12:23:51
